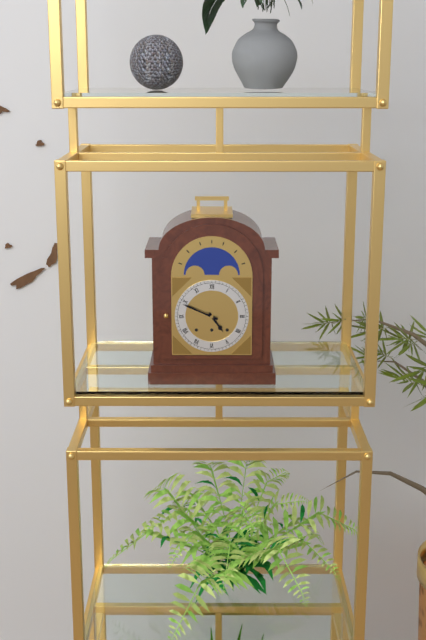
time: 4:49
